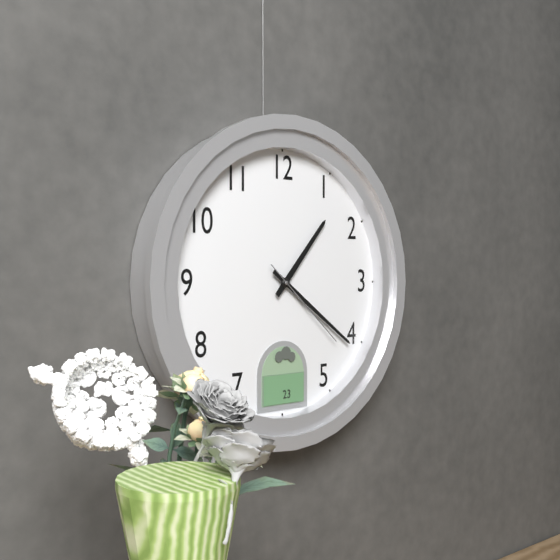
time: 1:21:22
